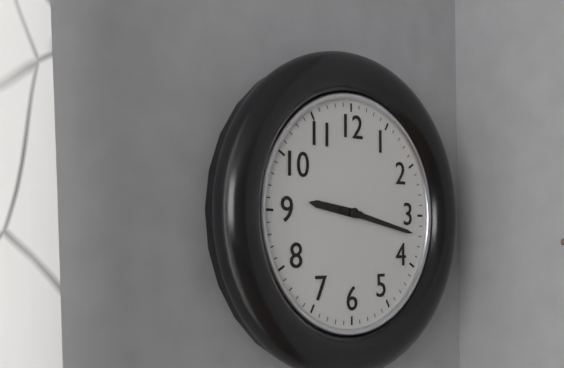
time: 9:17
